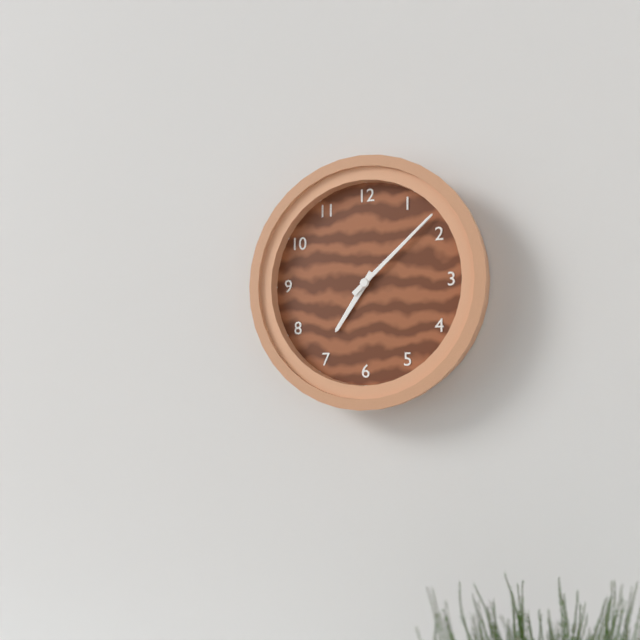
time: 7:08
